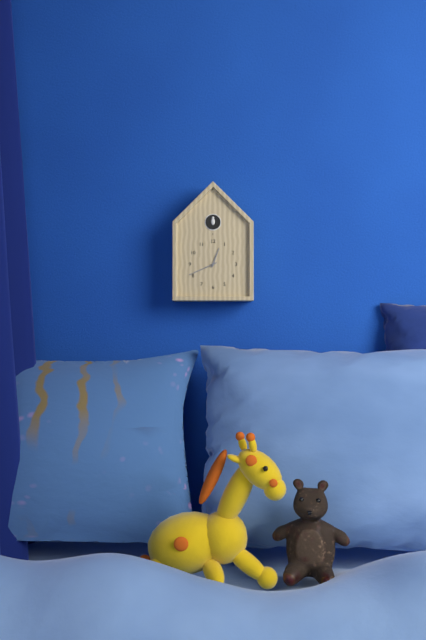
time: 12:41
